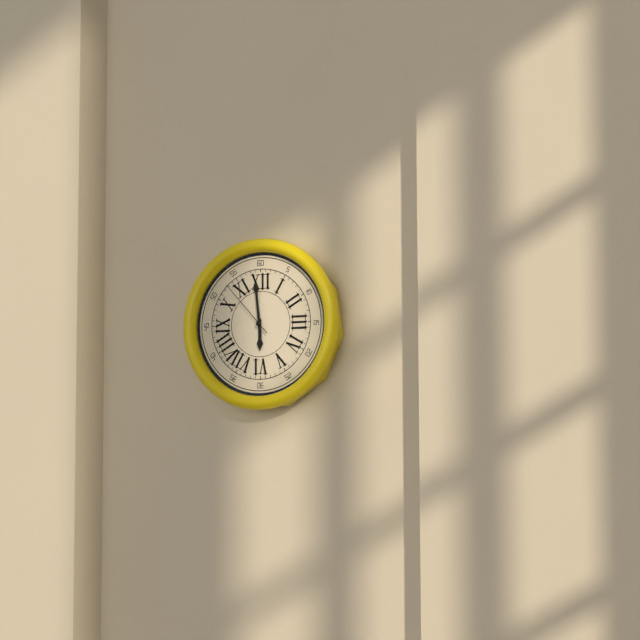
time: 5:59:53
